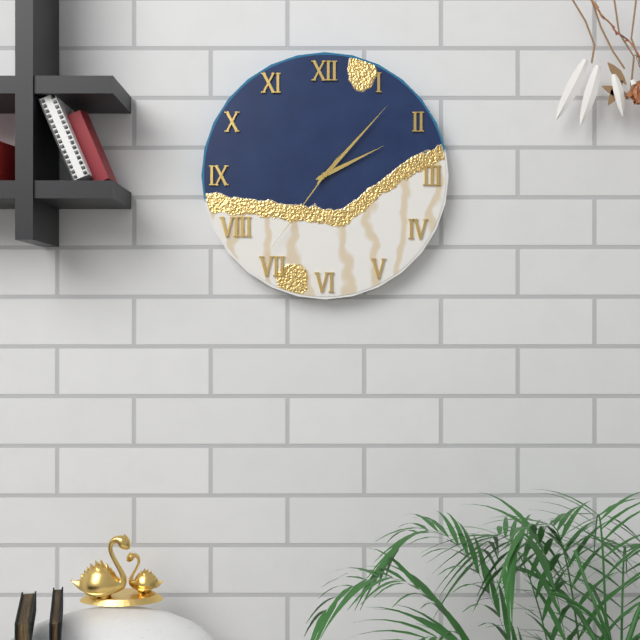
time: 2:07:36
